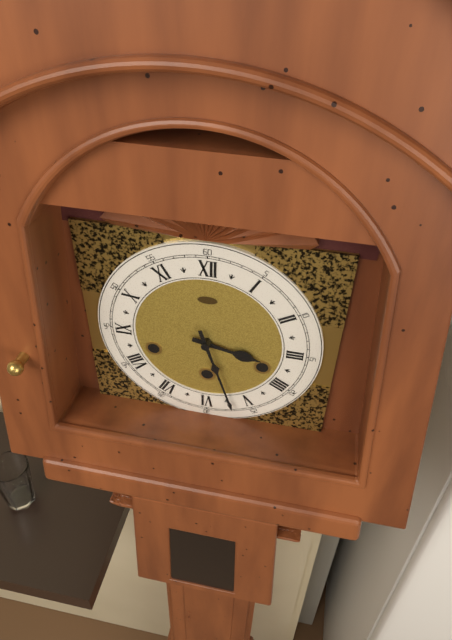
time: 3:27
